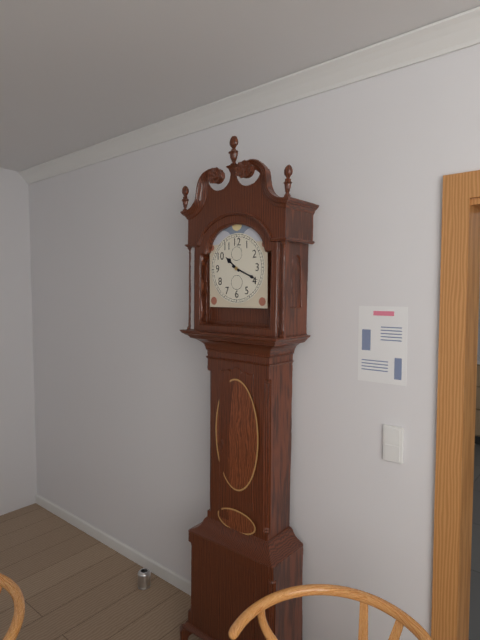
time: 10:19
